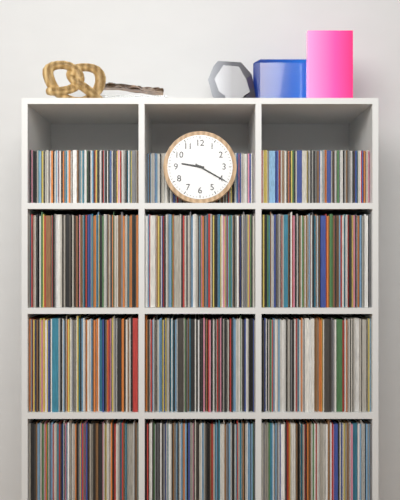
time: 9:20
